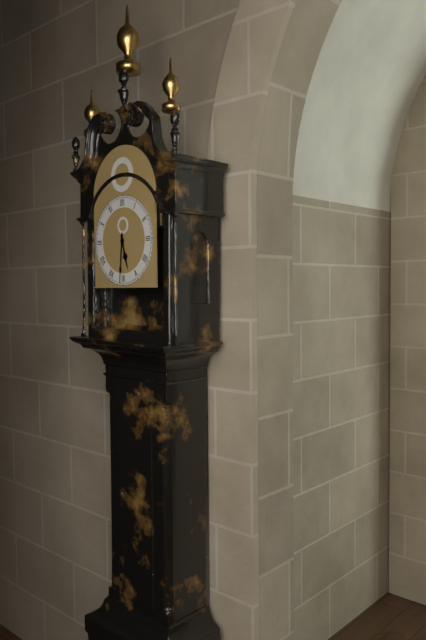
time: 5:31
